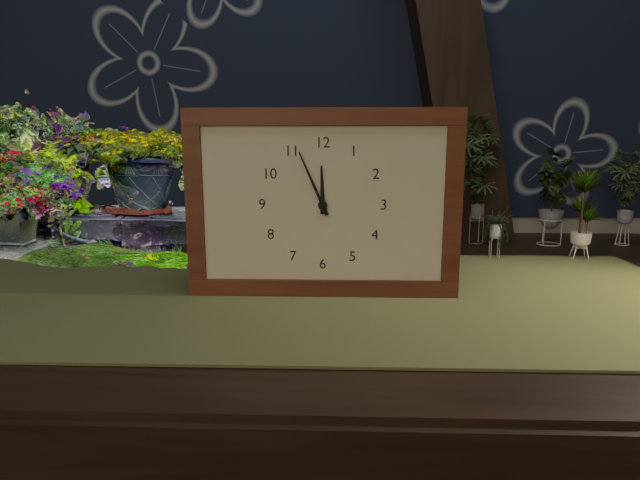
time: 11:56
